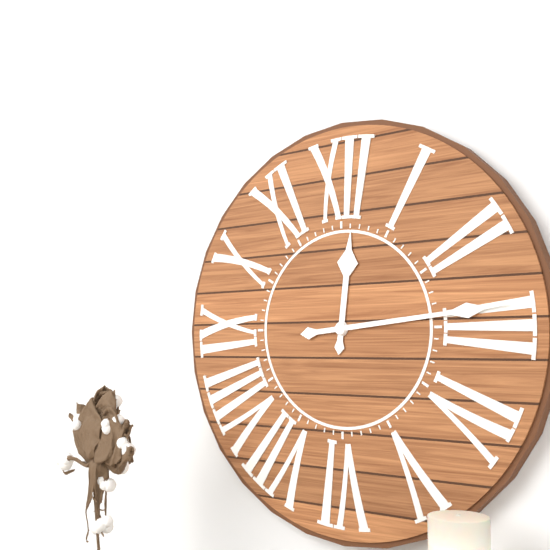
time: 12:14
